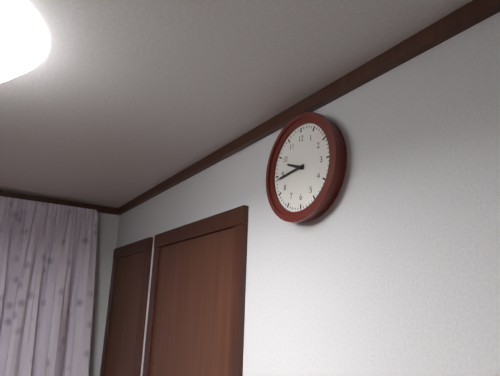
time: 9:44
